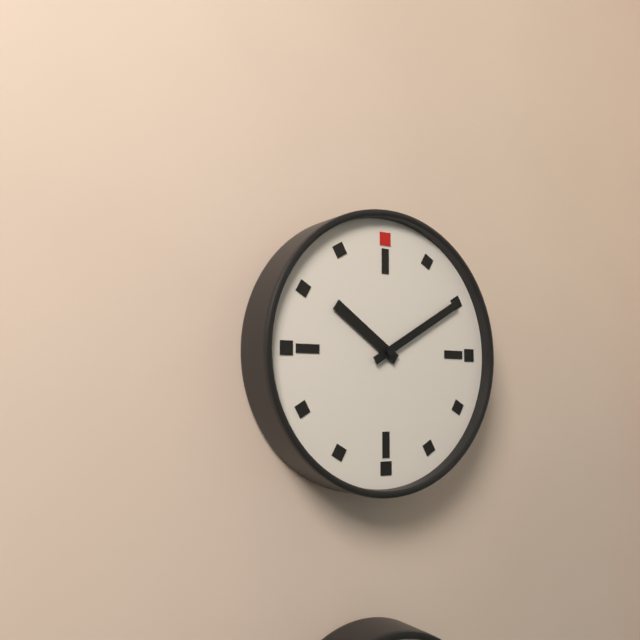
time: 10:10
